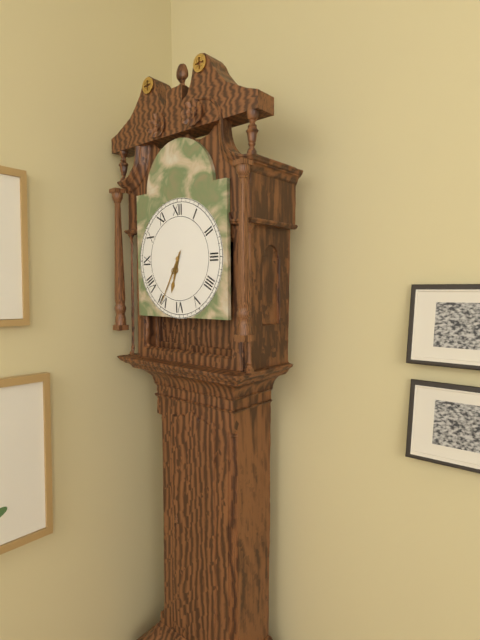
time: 6:35
